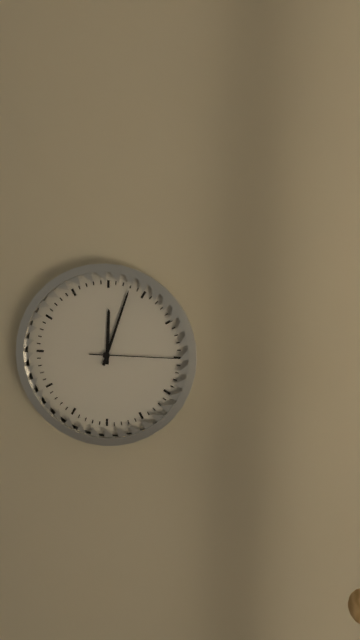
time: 12:03:15
